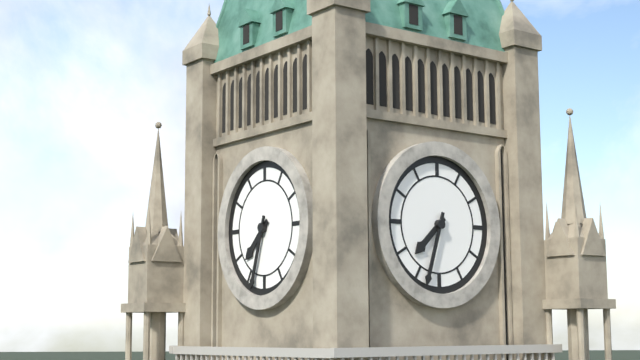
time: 7:33
